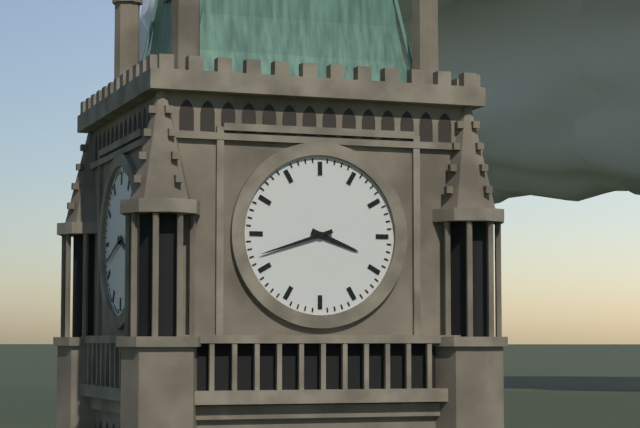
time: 3:42
